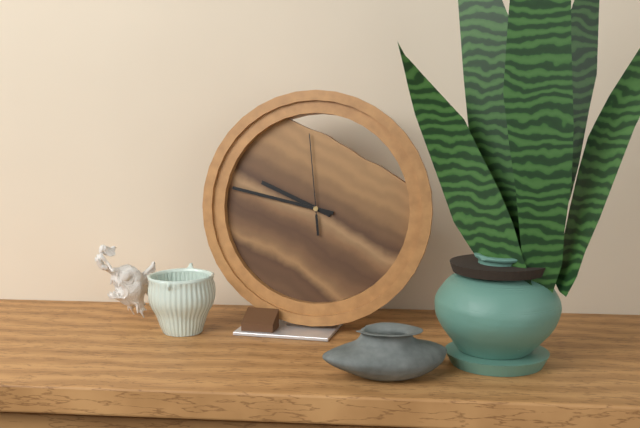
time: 9:47:59
